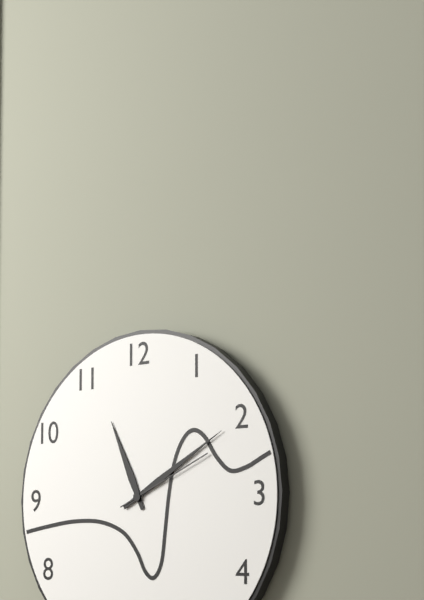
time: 11:10:11
